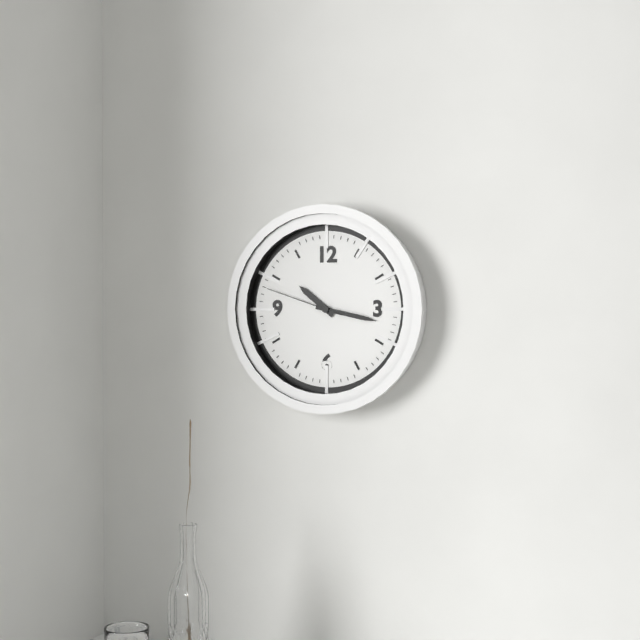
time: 10:17:48
